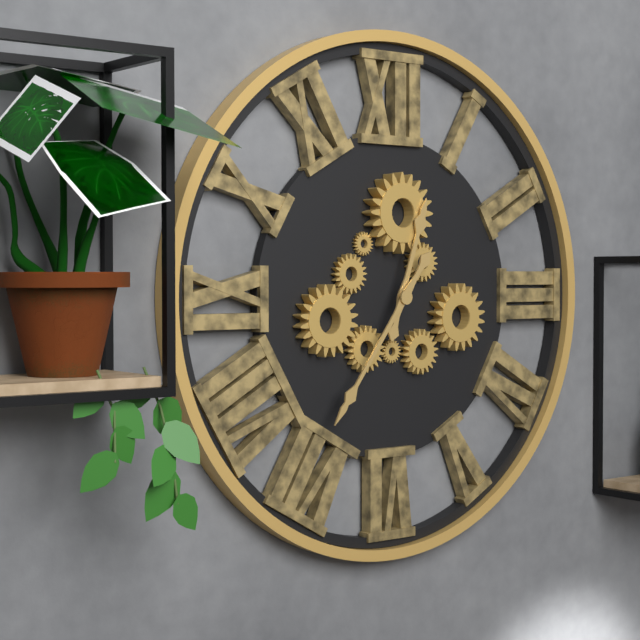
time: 12:36
